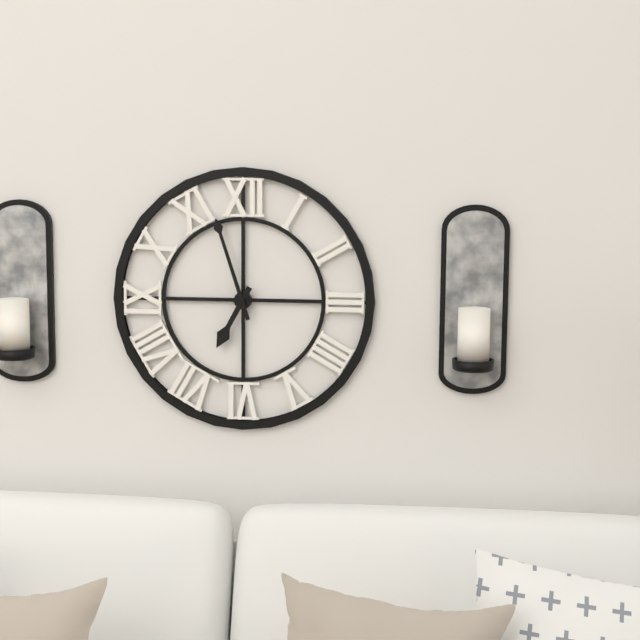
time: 6:57
